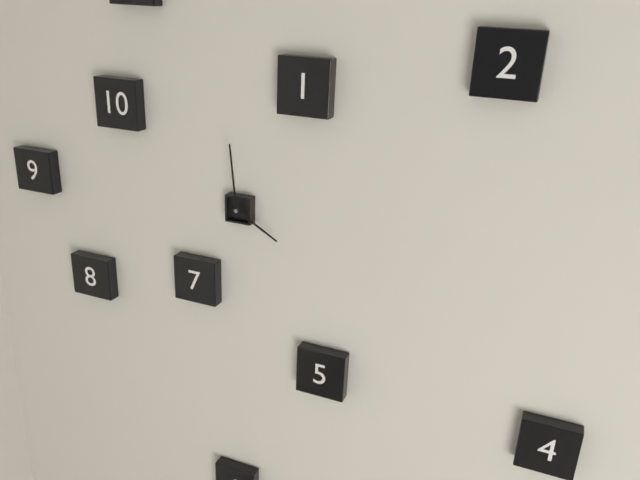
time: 3:59
